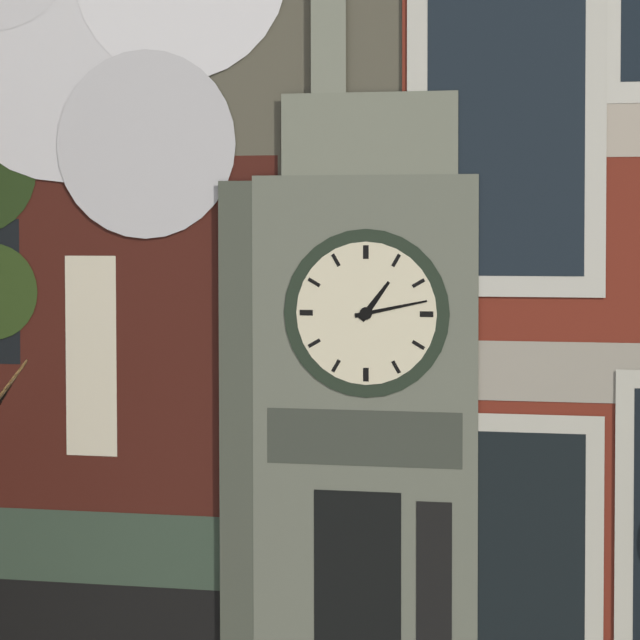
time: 1:13
